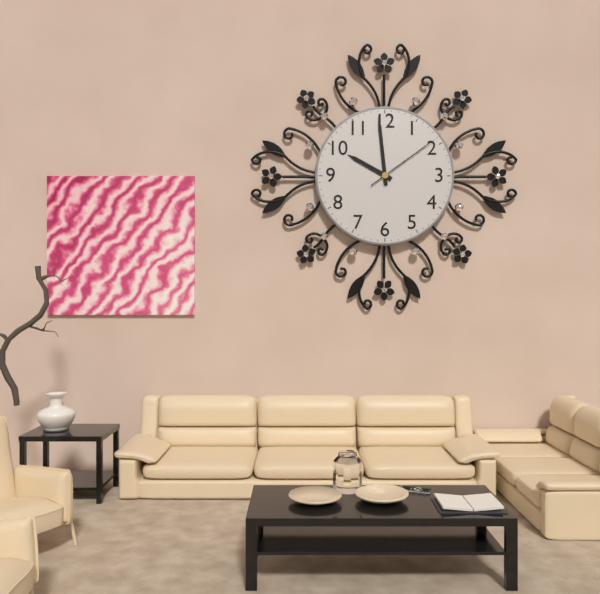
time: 9:59:09
